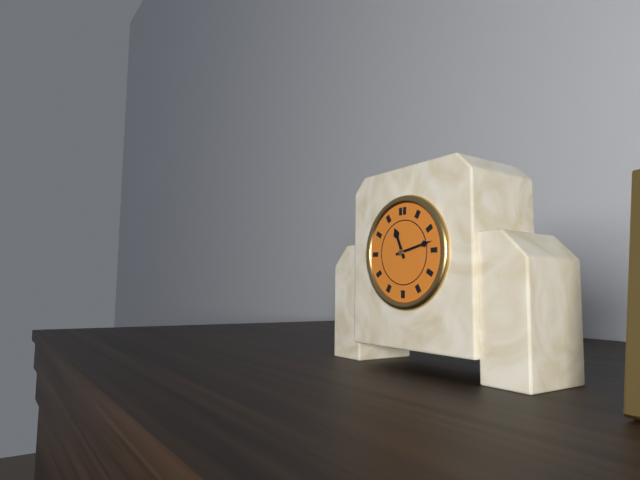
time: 11:13
